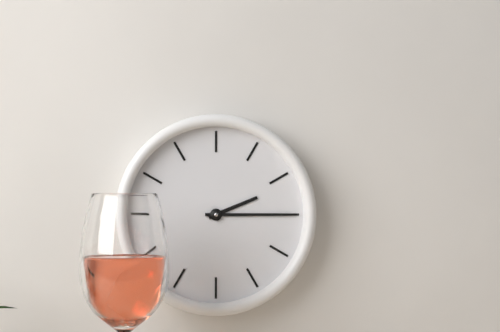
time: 2:15
